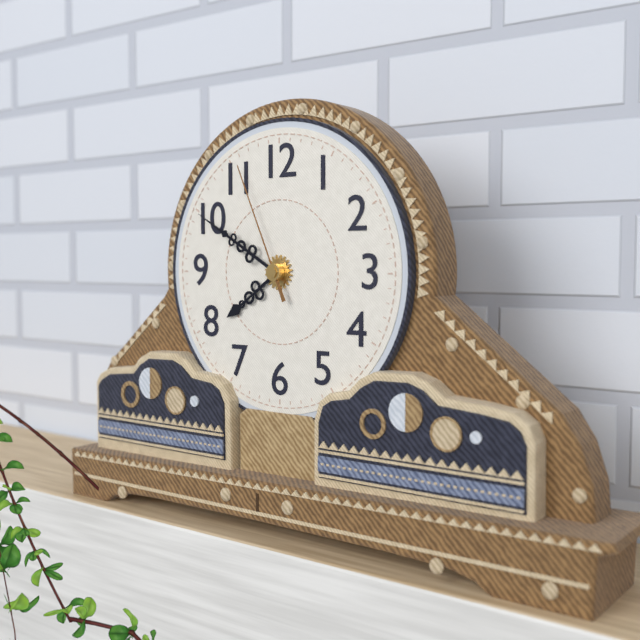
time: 7:50:56
